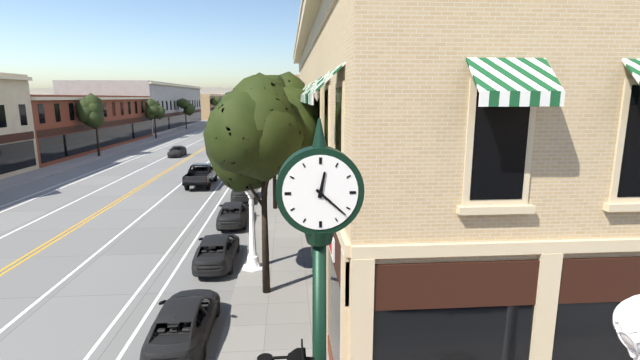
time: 12:22
